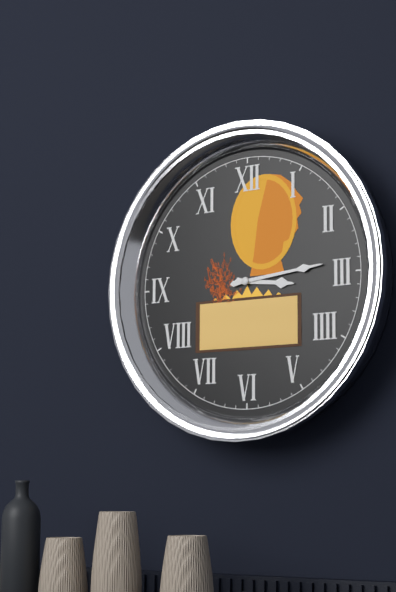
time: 3:14
